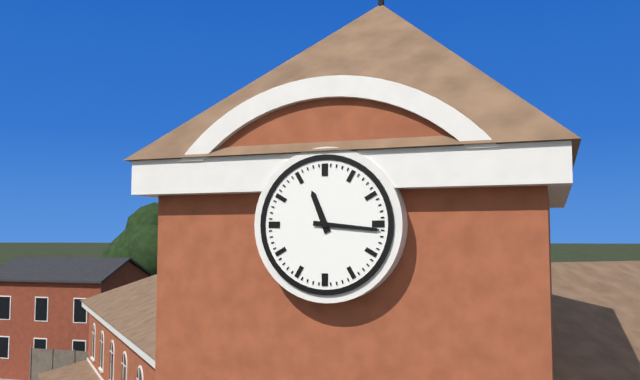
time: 11:16
